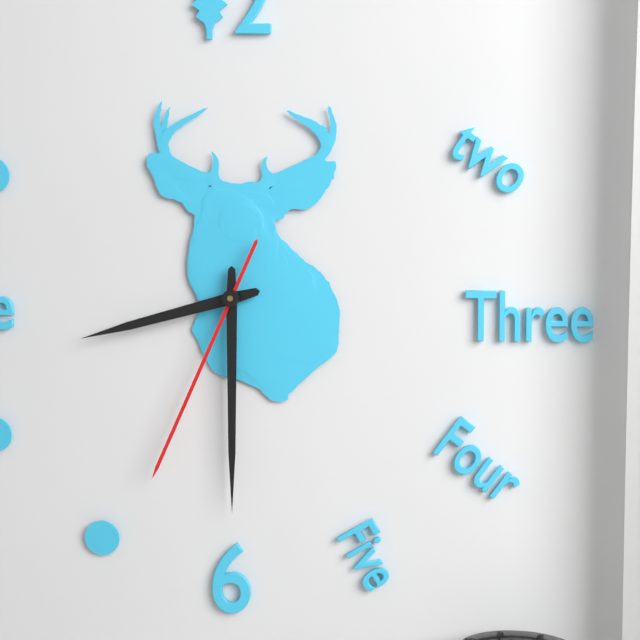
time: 8:30:34
